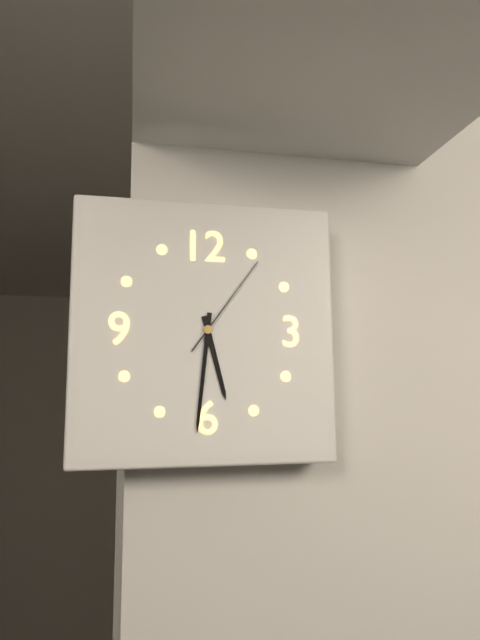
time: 5:31:06
